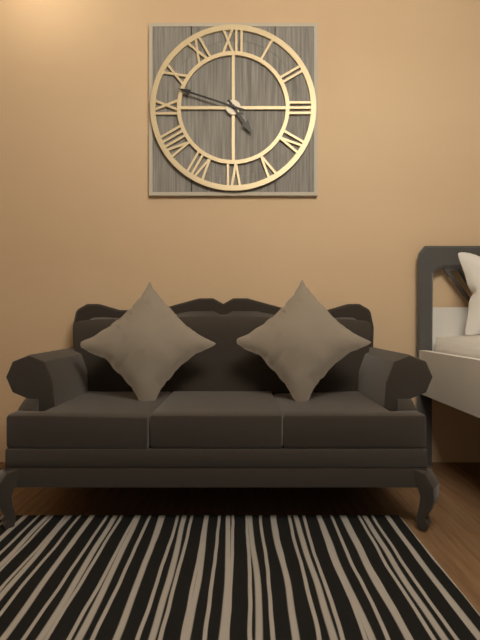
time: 4:48
